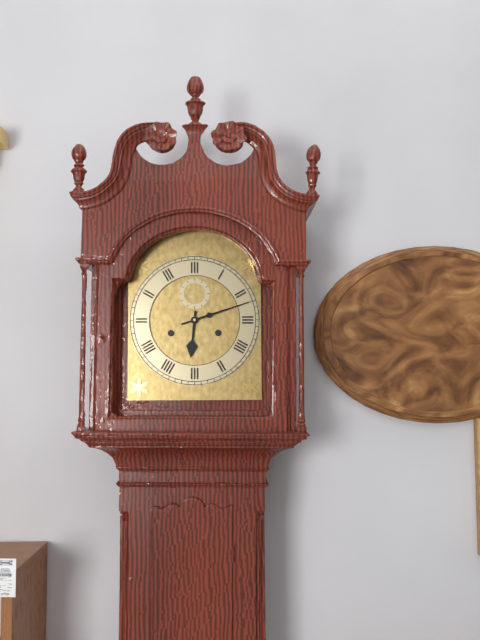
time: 6:12
